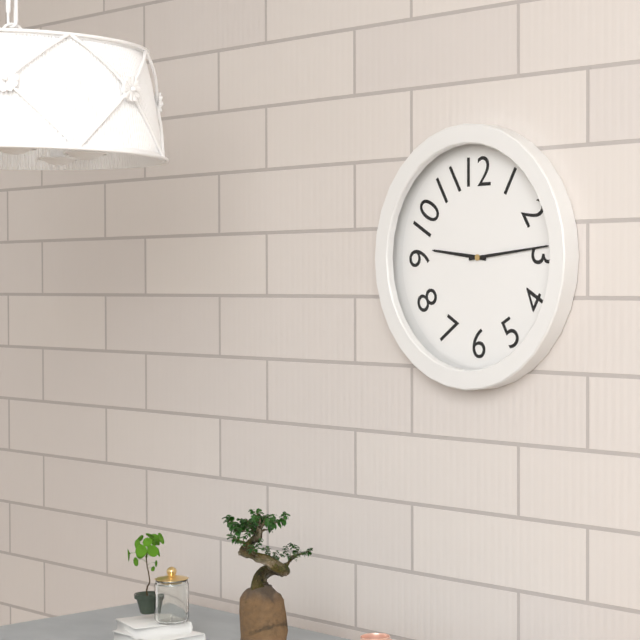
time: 9:14
